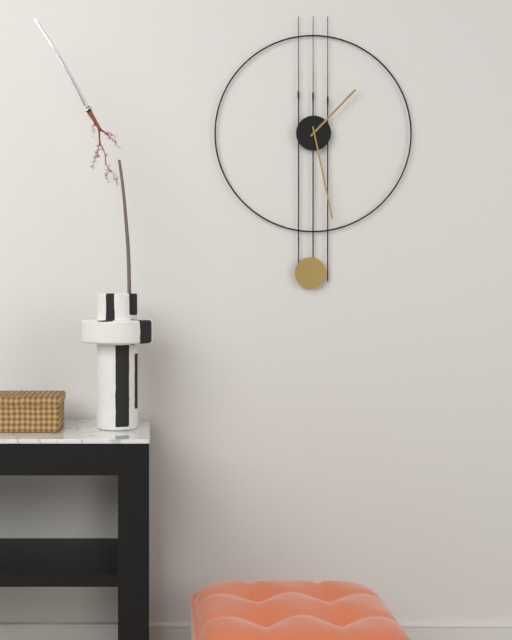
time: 1:28
